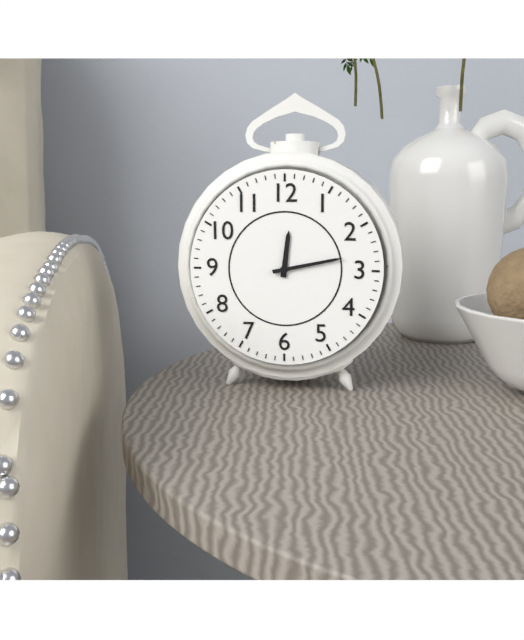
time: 12:13
